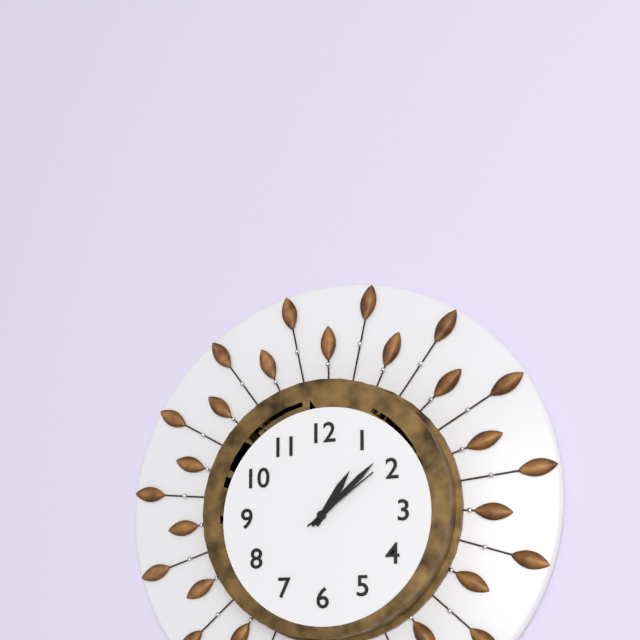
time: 1:08:09
